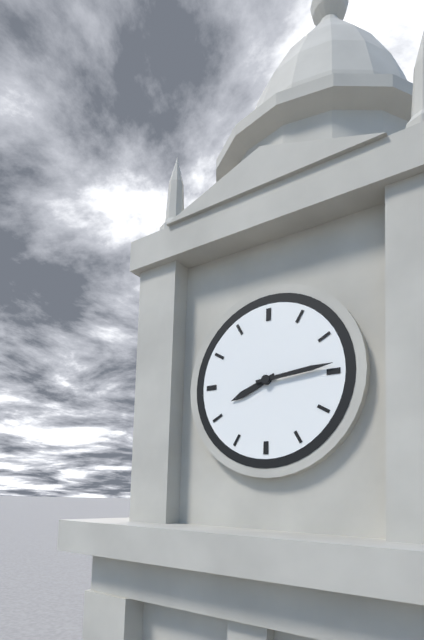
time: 8:14
